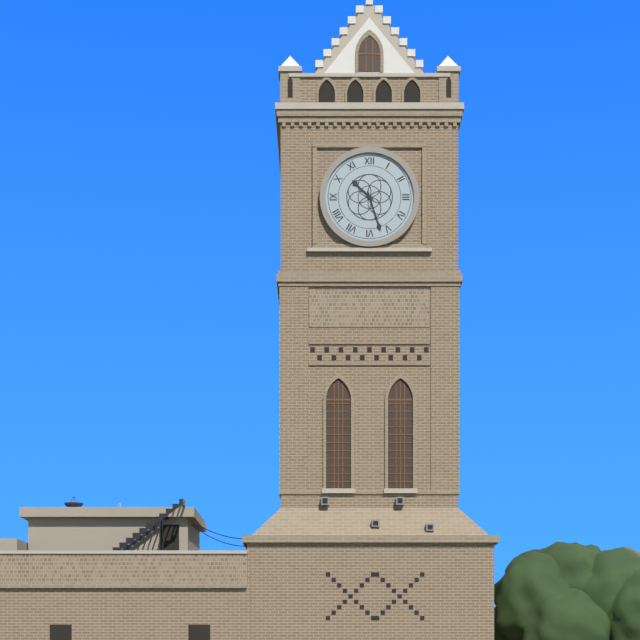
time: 10:27
